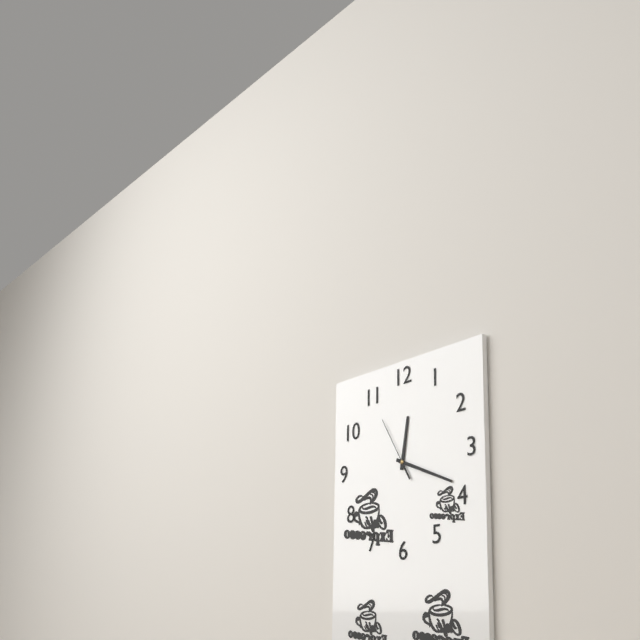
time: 12:19:55
